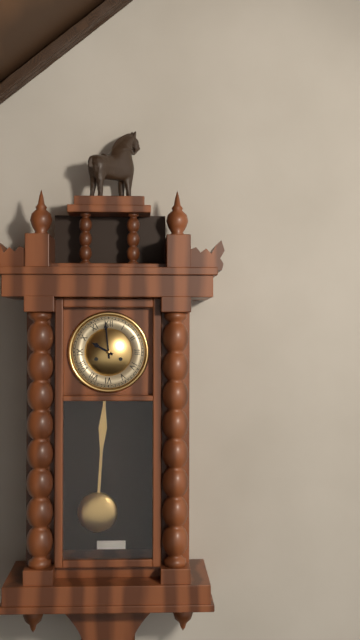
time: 9:59
